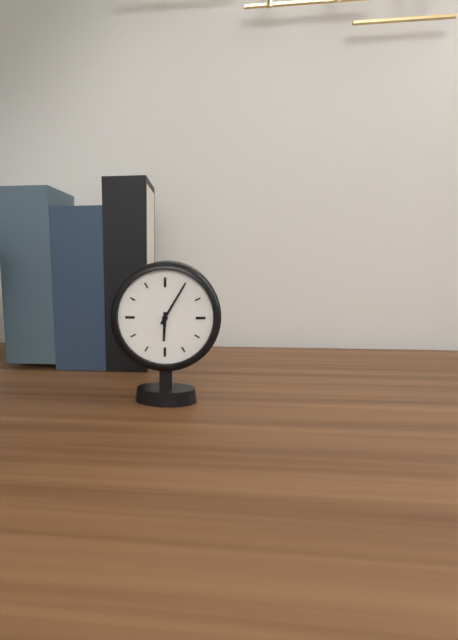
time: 6:05
